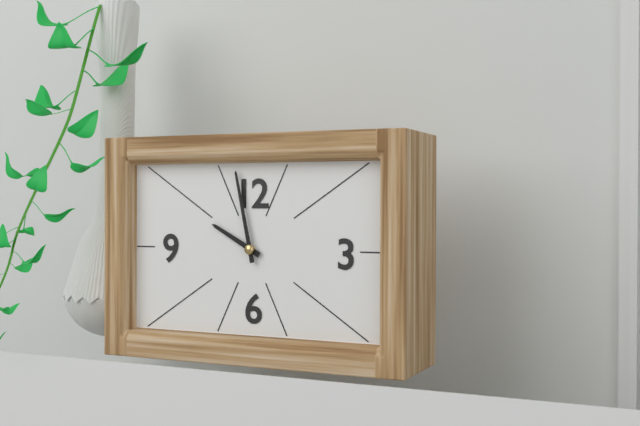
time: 9:58
